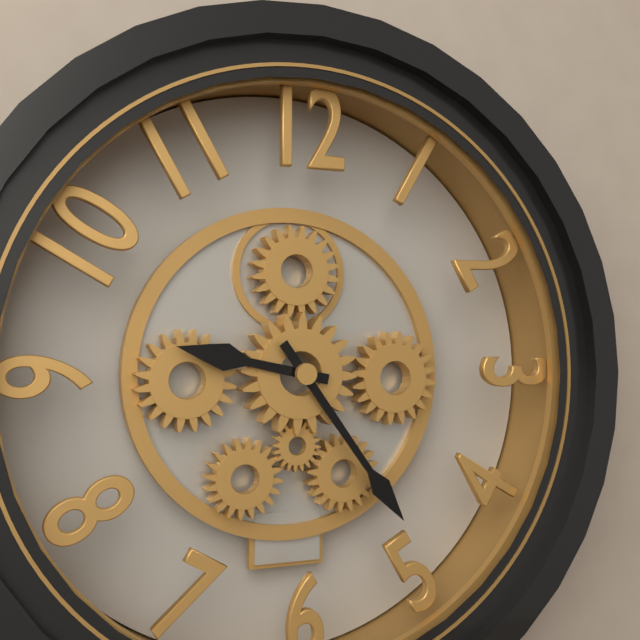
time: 9:24
